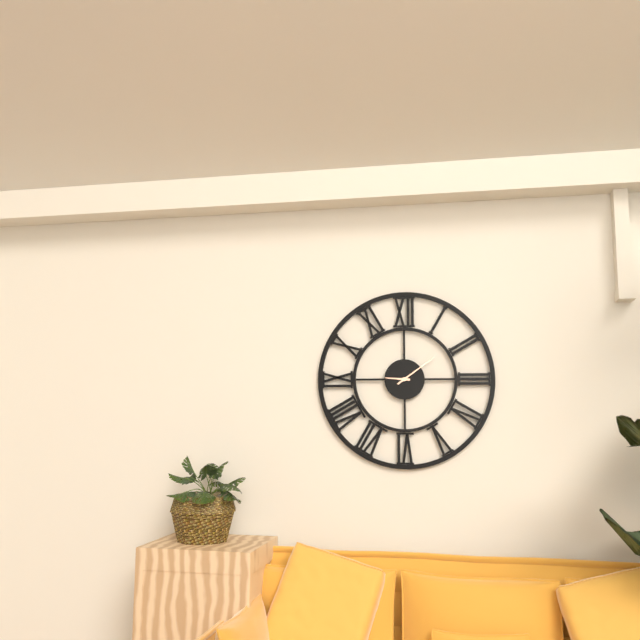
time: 9:09
